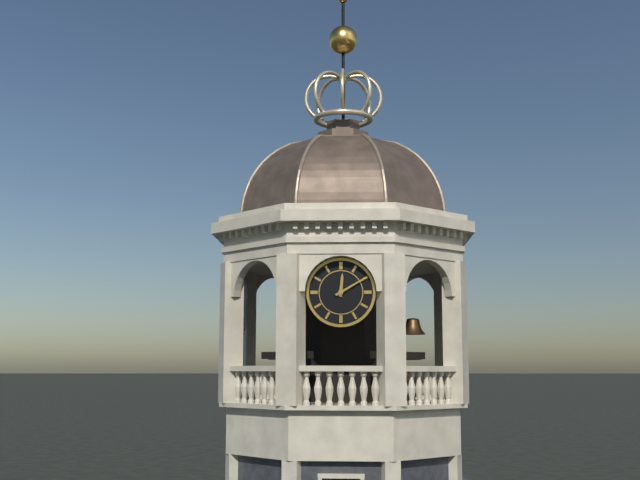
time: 12:10
